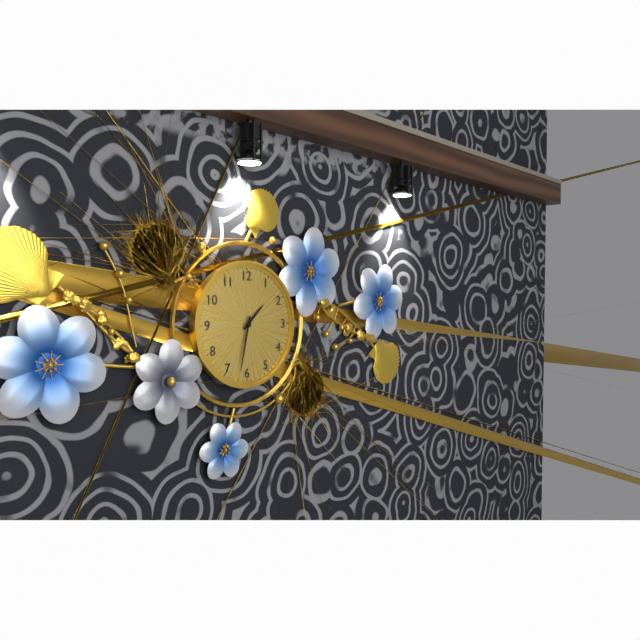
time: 1:32
